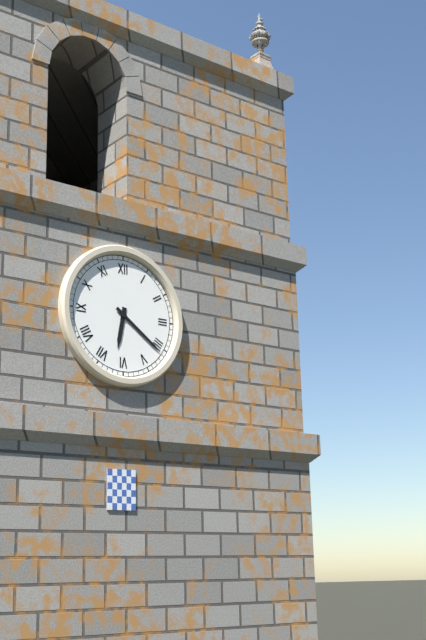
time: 6:21
